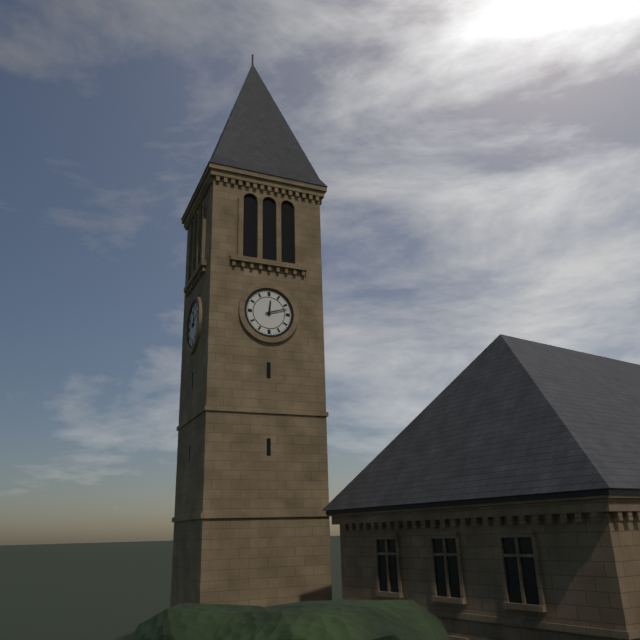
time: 12:12
